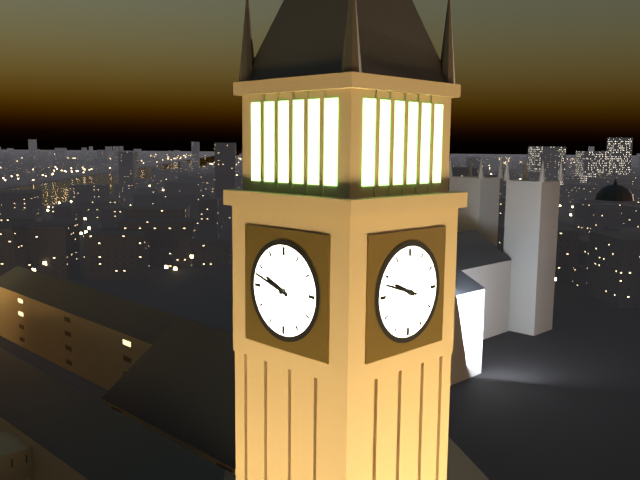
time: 9:48
